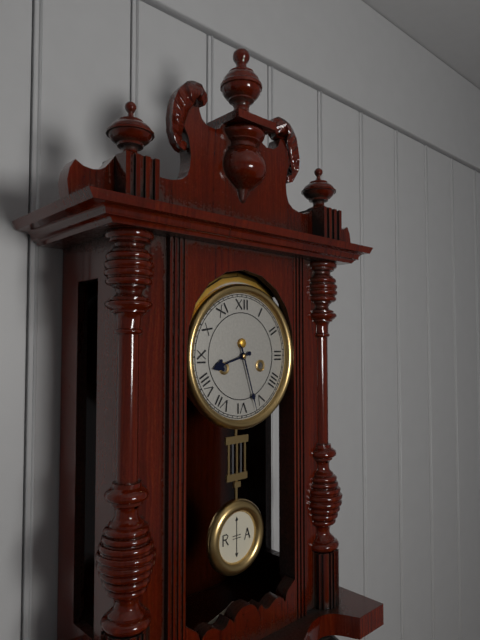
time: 8:27
